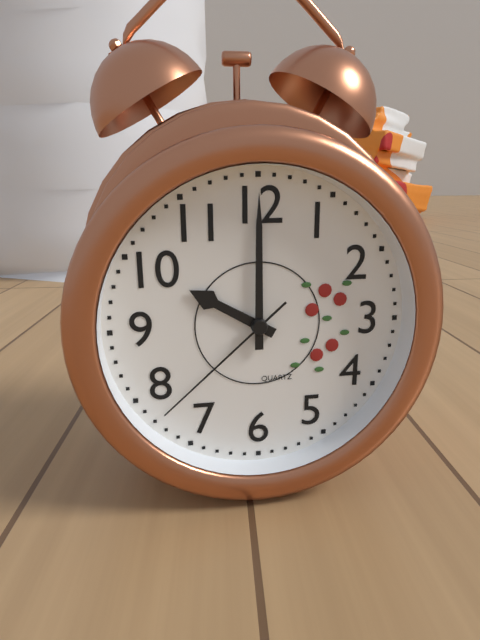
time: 10:00:38
